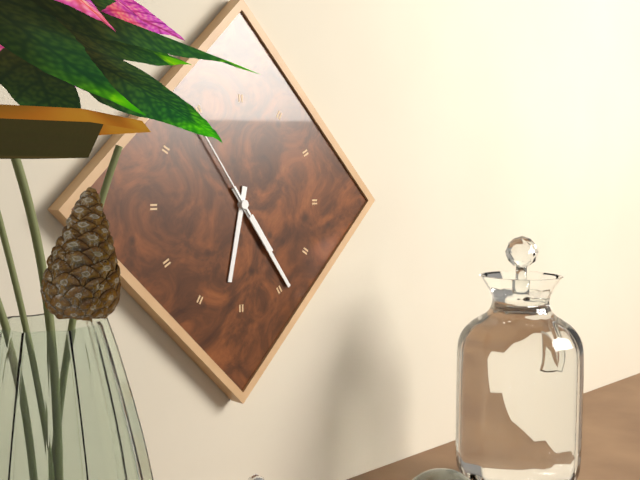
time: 6:24:54
